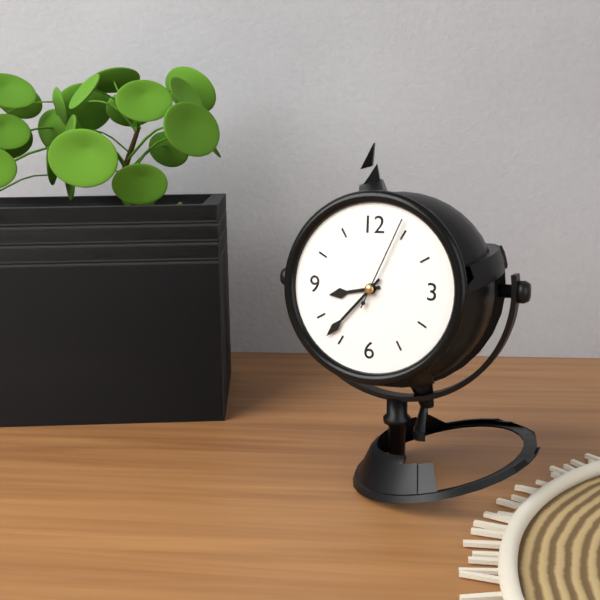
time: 8:37:04
